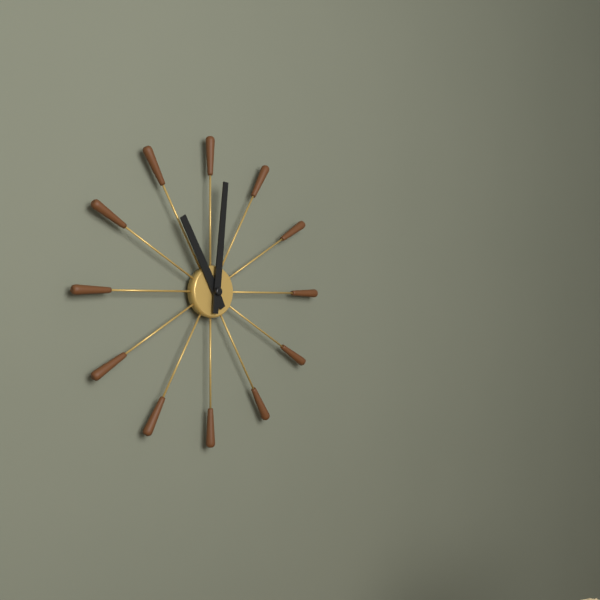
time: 11:01
